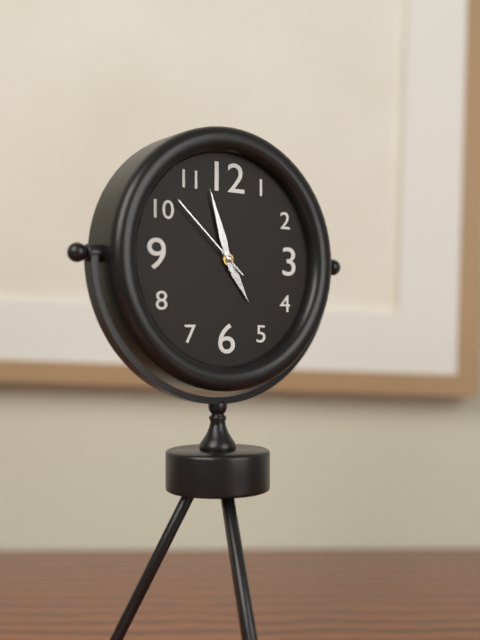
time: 4:57:52
